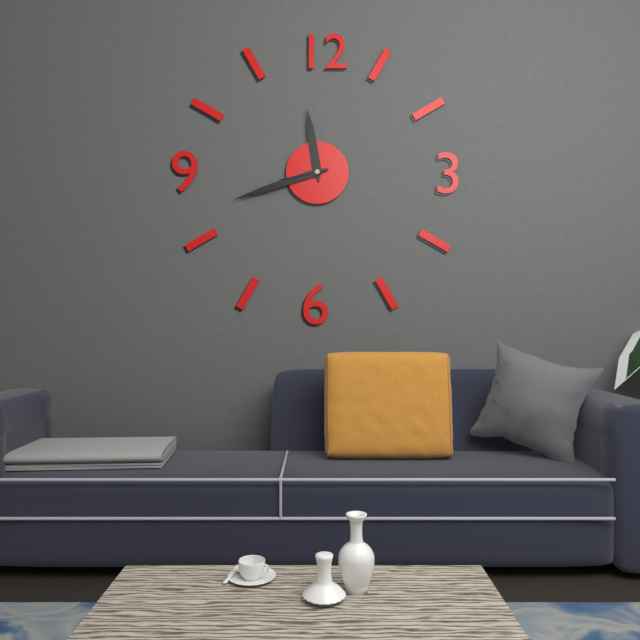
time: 11:42
